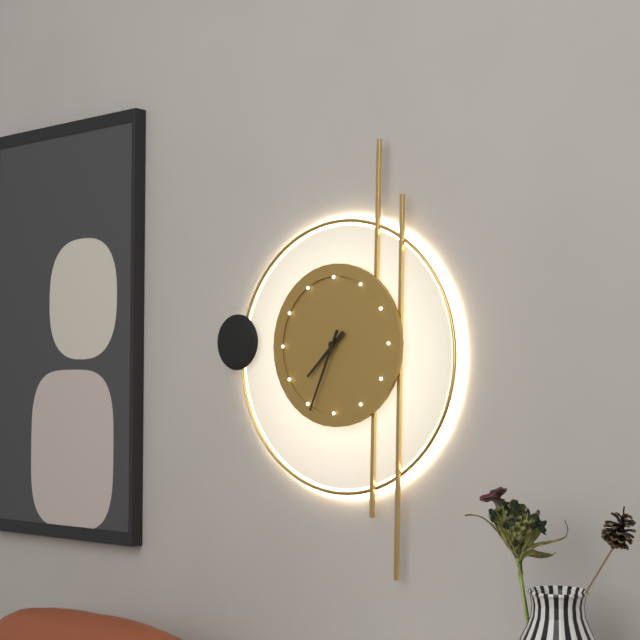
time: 7:34
